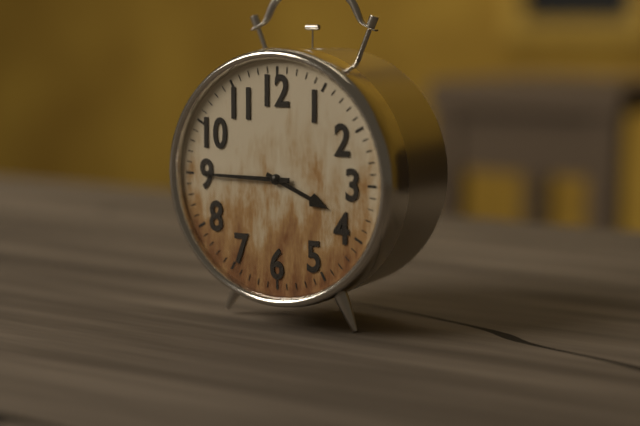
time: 3:45
